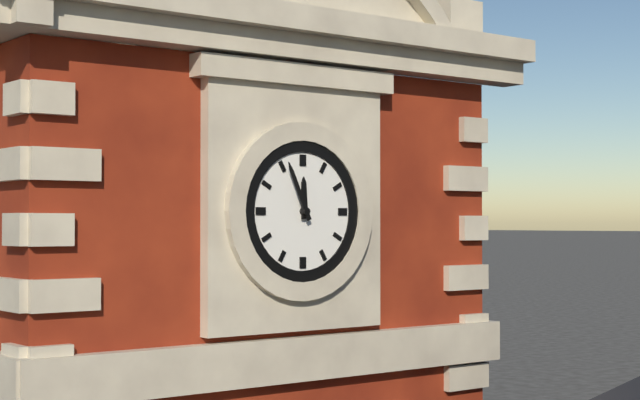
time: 11:56
